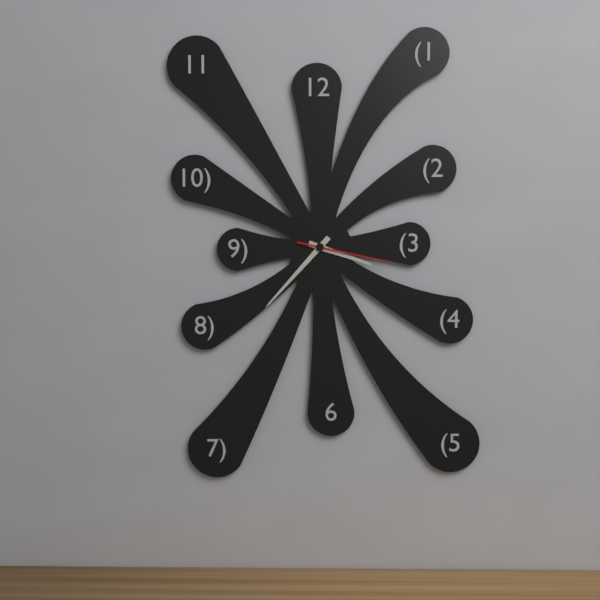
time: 3:37:17
